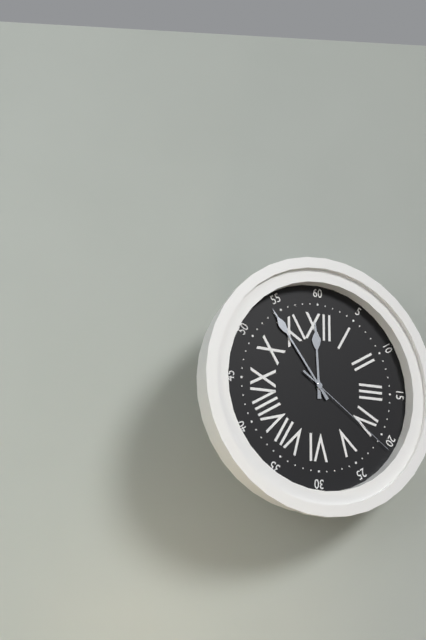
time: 11:54:21
